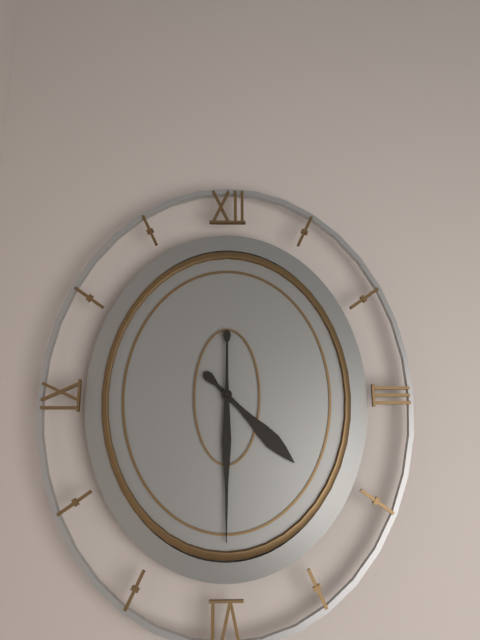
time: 4:30
